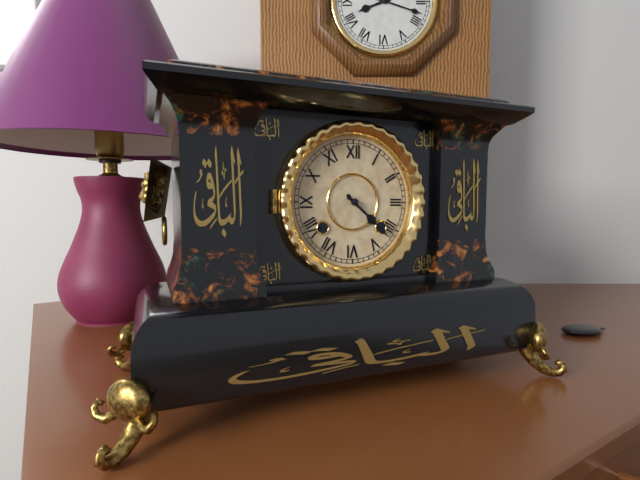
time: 4:22
